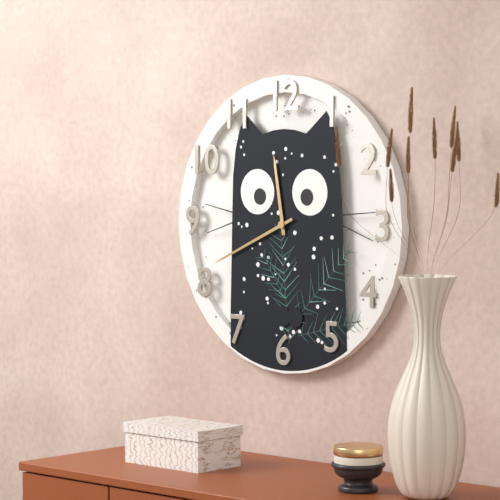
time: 11:41
